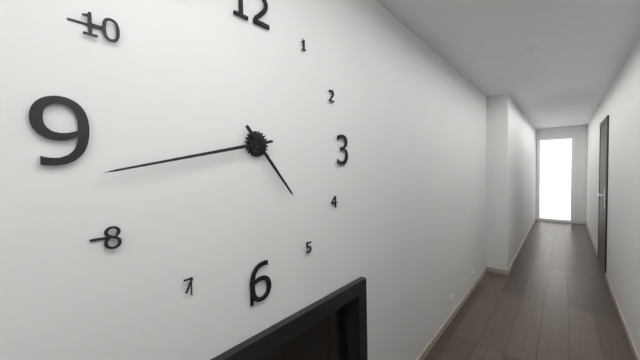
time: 4:43
